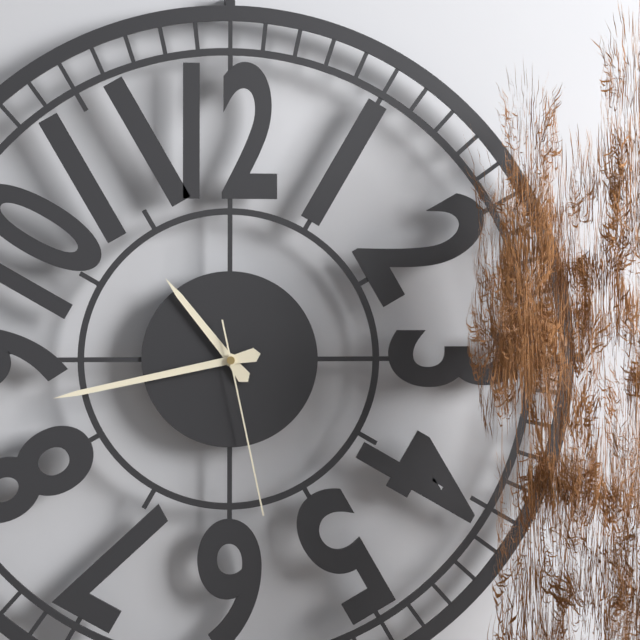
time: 10:43:28
